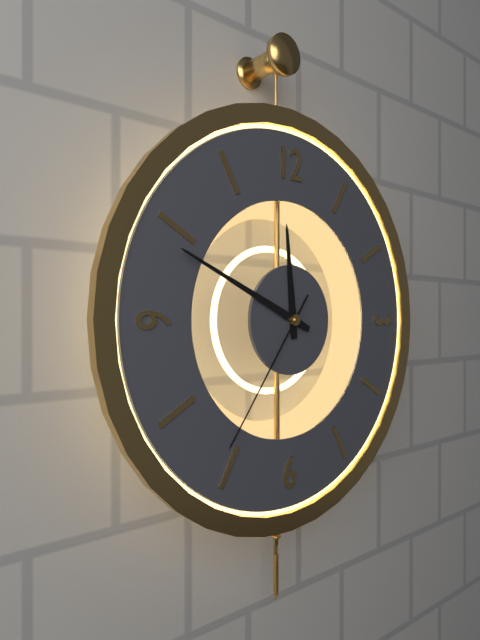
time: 11:49:36
